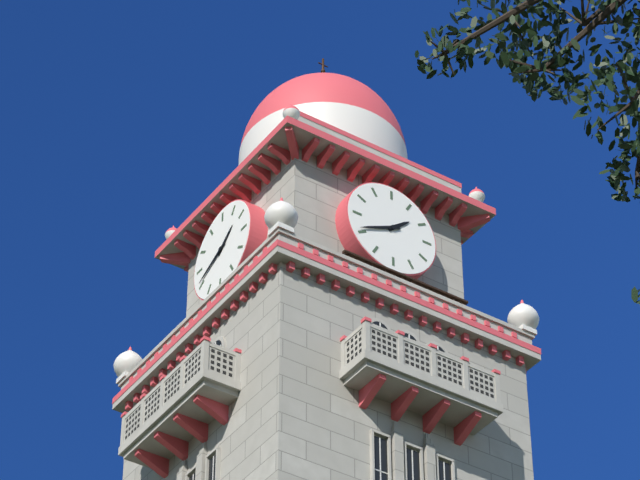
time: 1:41
